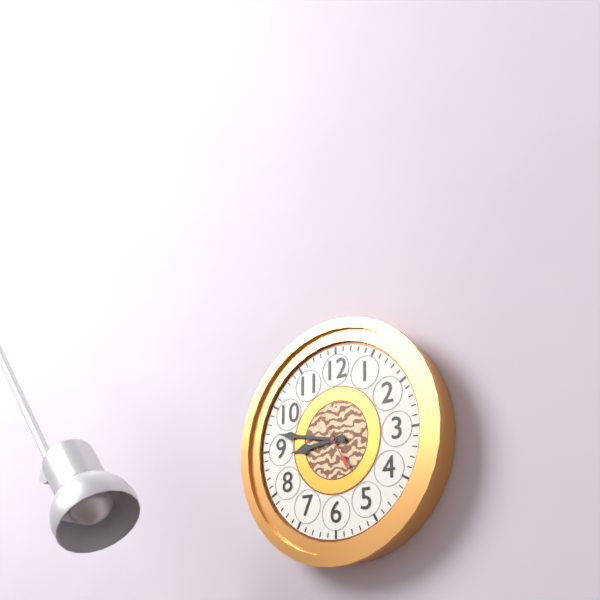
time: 8:47:55
